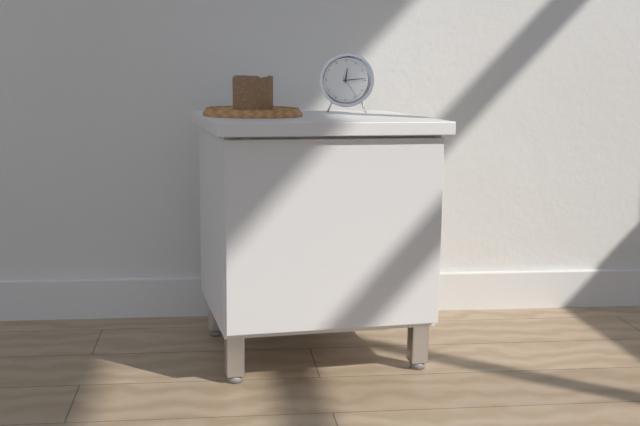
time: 12:14
